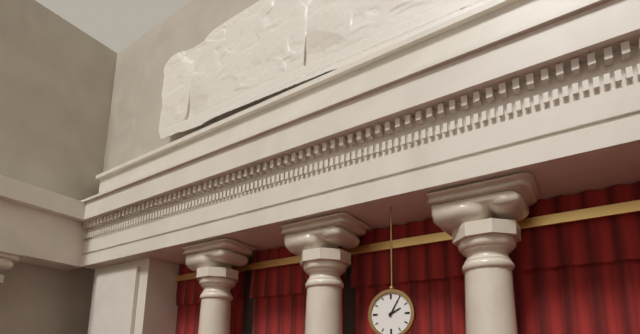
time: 2:05
